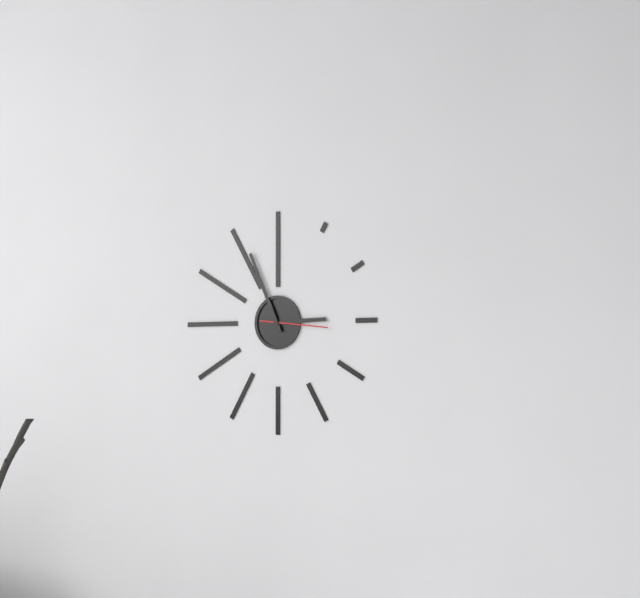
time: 2:56:16
